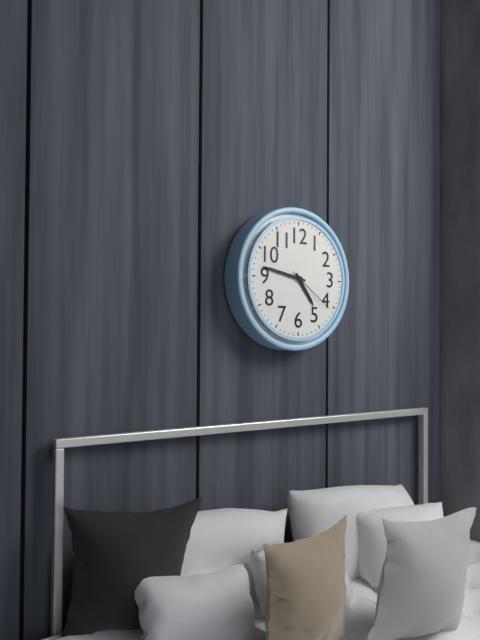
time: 4:47:21
